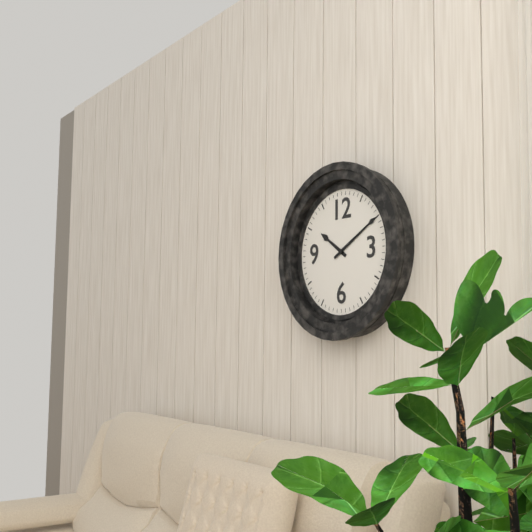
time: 10:10
